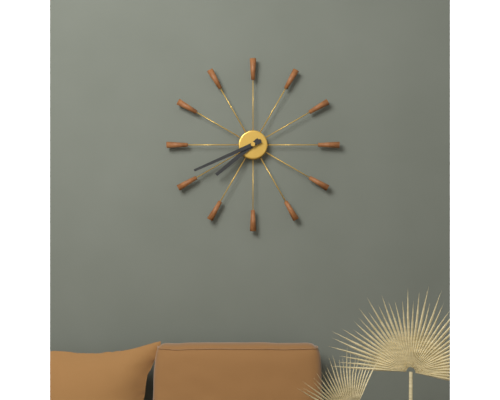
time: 7:41
